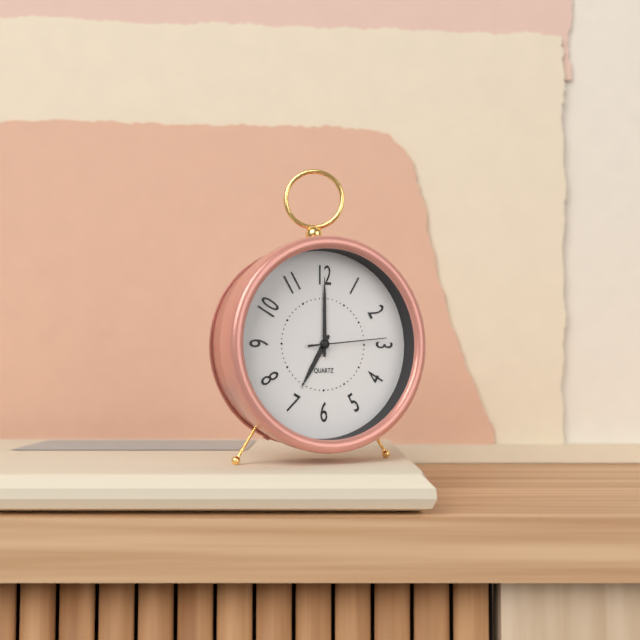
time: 7:00:14
